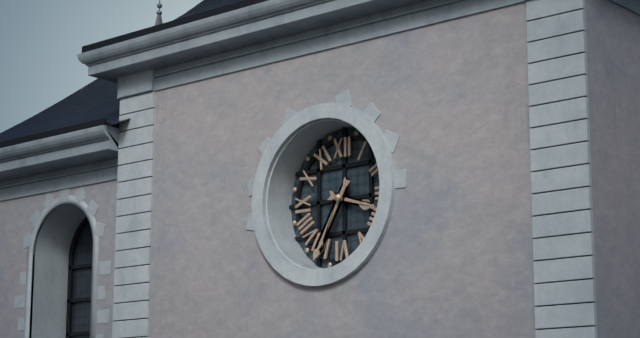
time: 3:35
